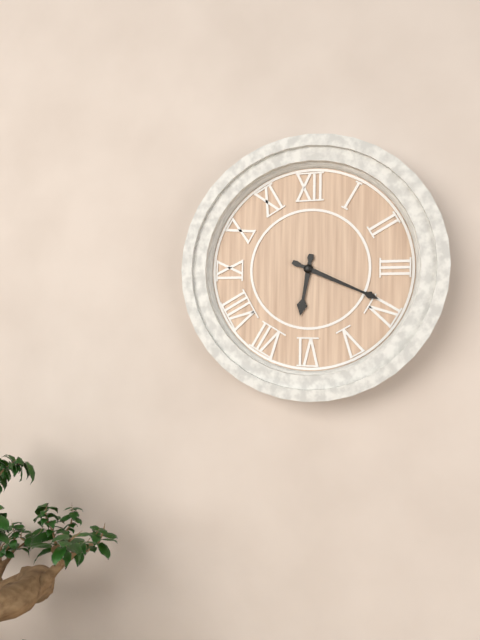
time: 6:19
